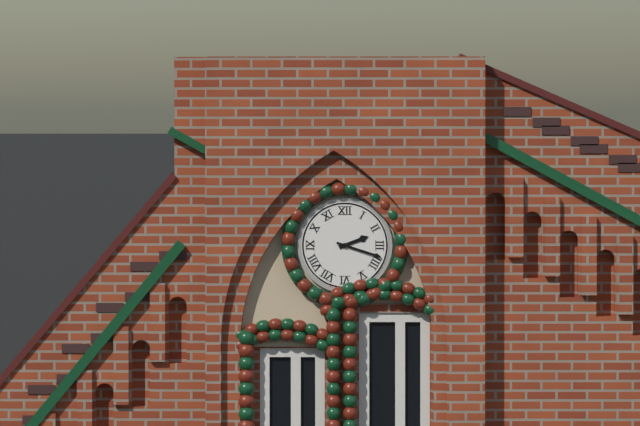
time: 2:18
